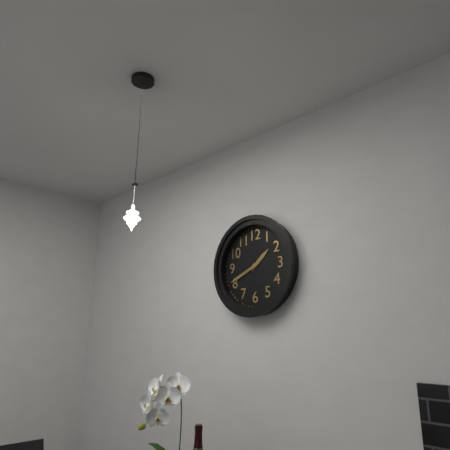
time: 1:41
